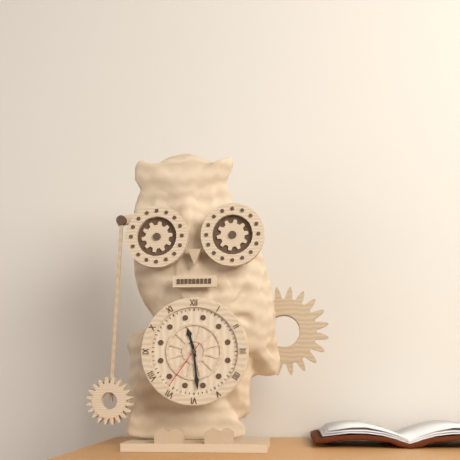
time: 11:29:36
